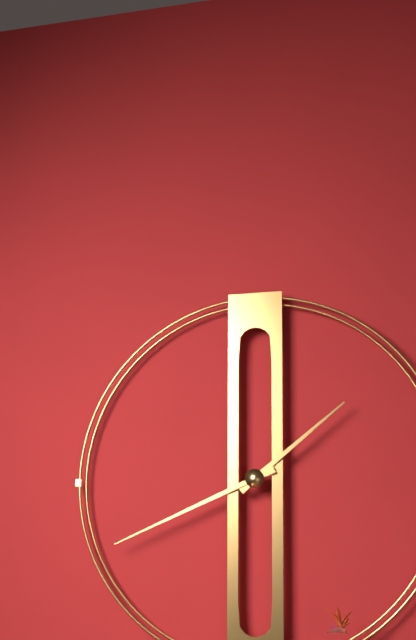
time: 1:41
